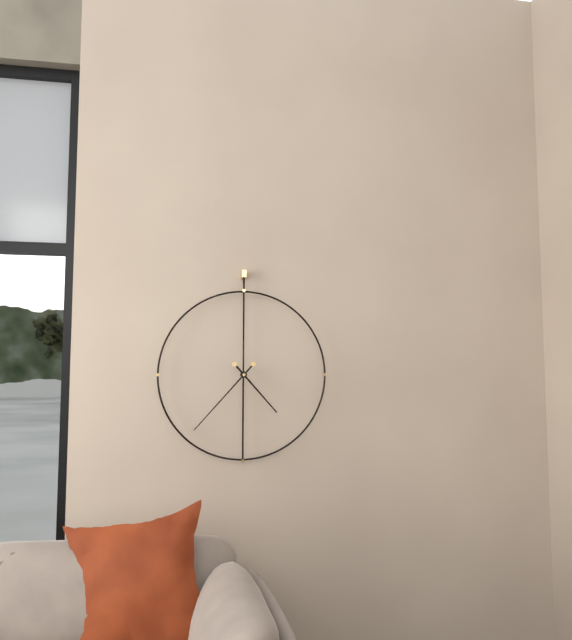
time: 4:37
